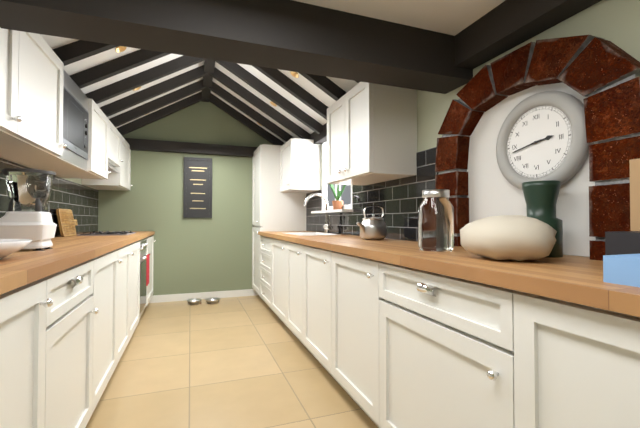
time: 2:43
